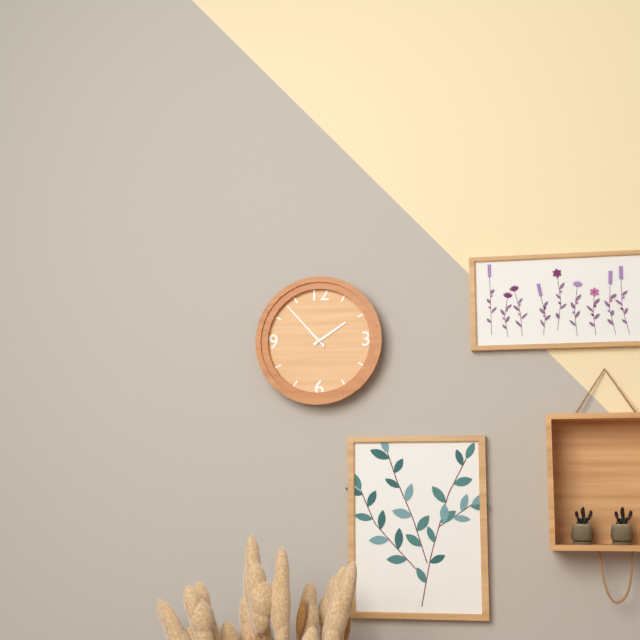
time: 1:53
